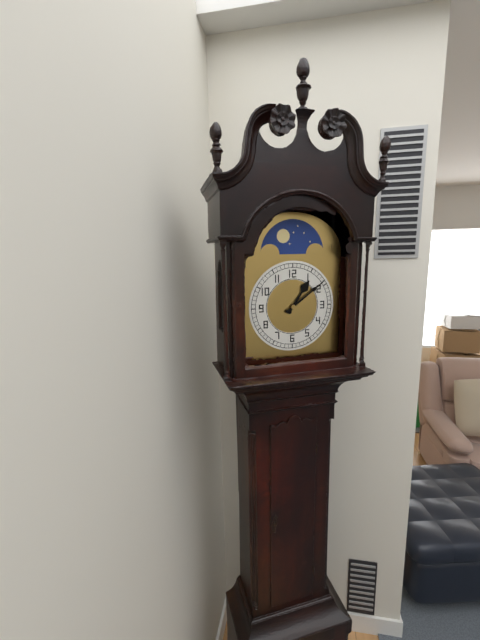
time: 1:09
